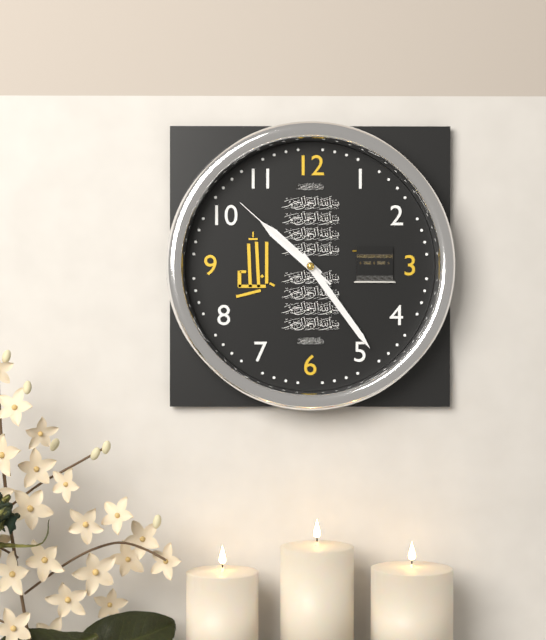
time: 10:24:52
